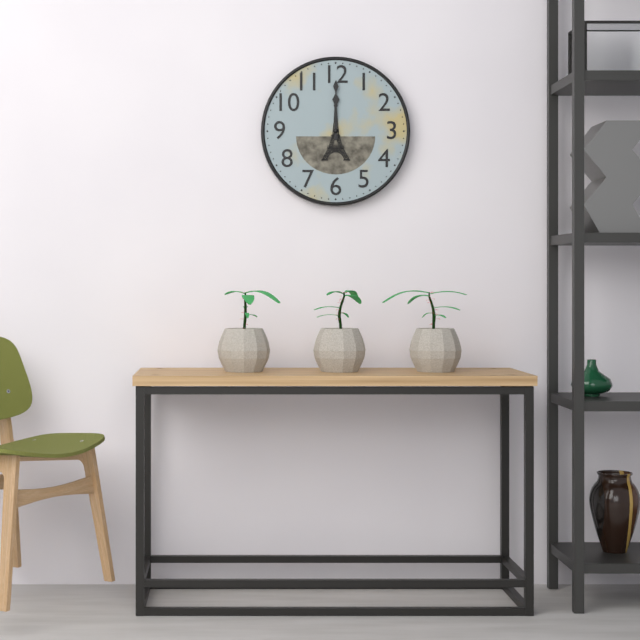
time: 12:00
